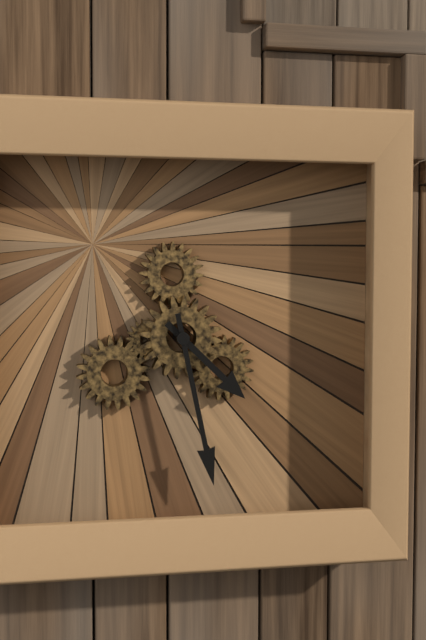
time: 4:28
